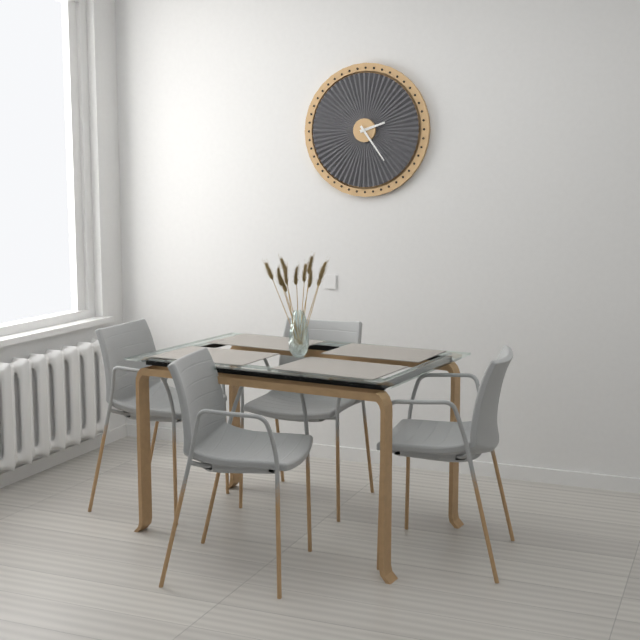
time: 2:24
